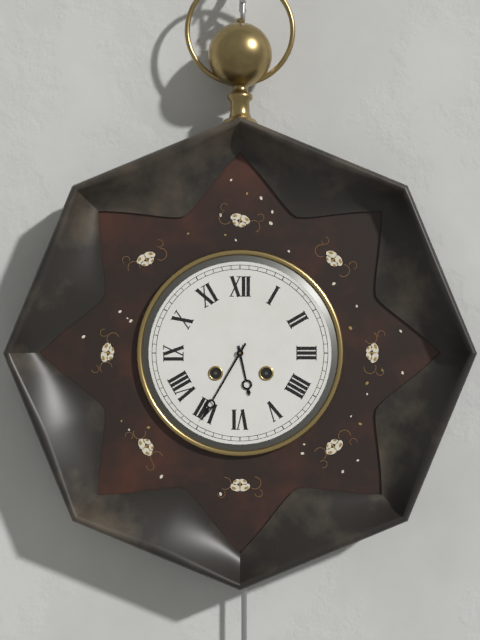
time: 5:35
